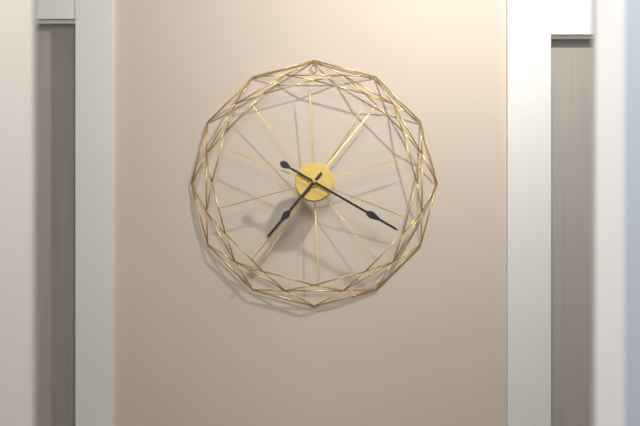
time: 7:20
